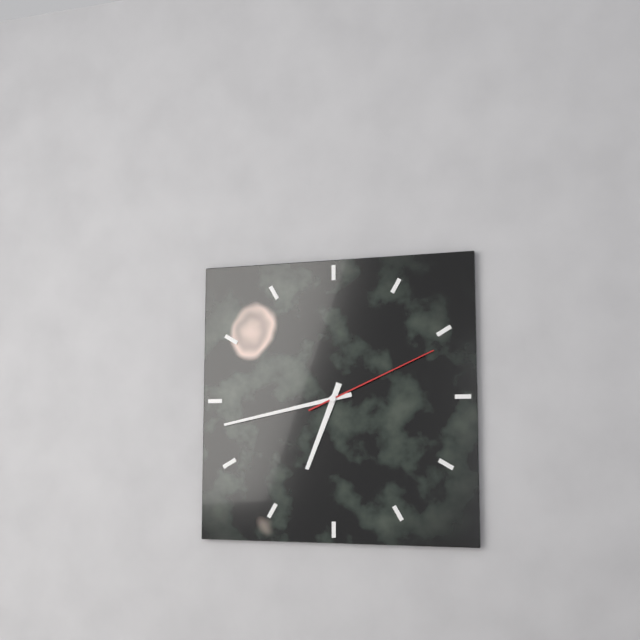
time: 6:43:11
